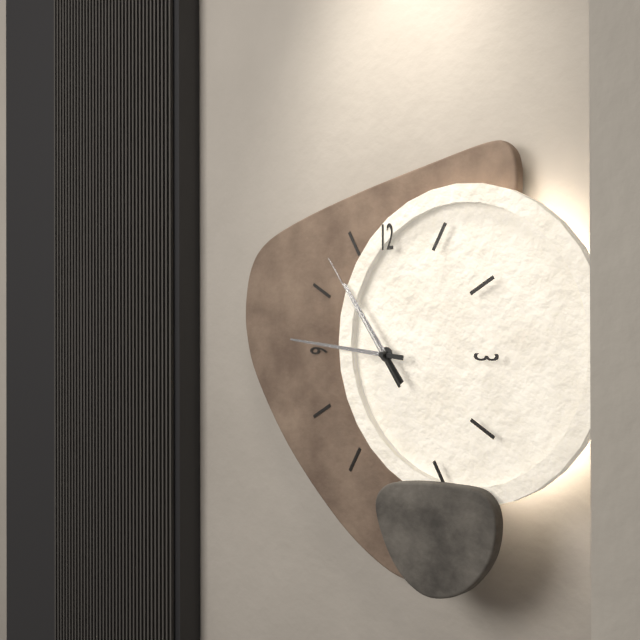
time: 10:46:54
